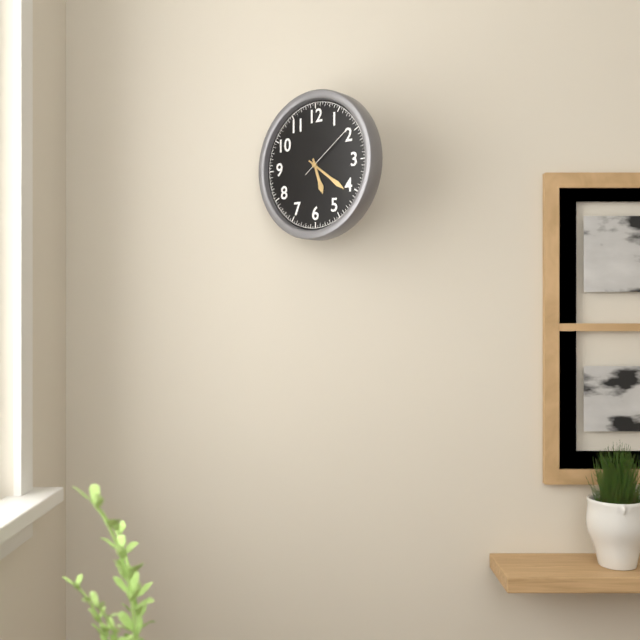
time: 5:21:09
